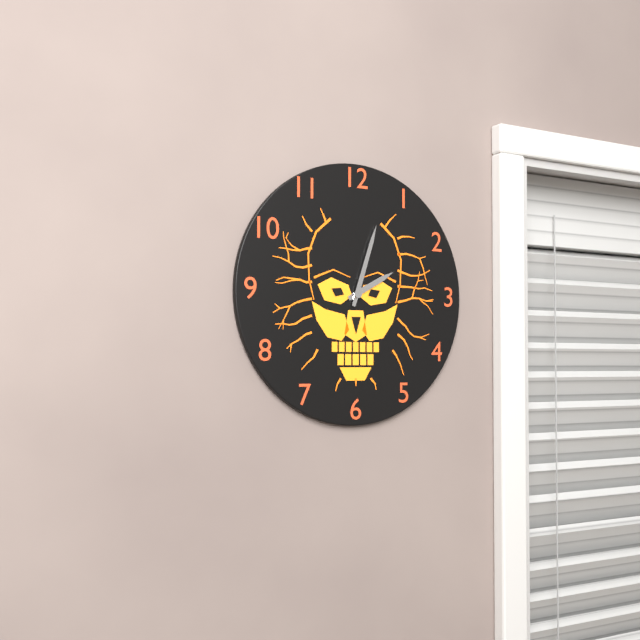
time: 2:03
